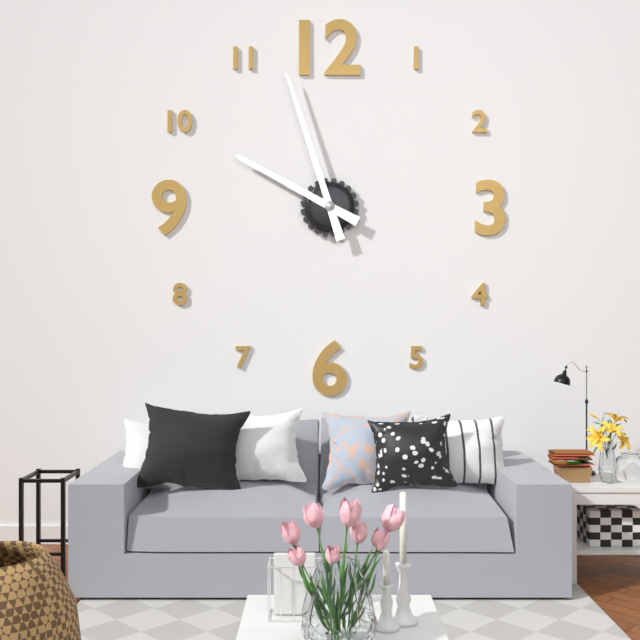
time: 9:57
